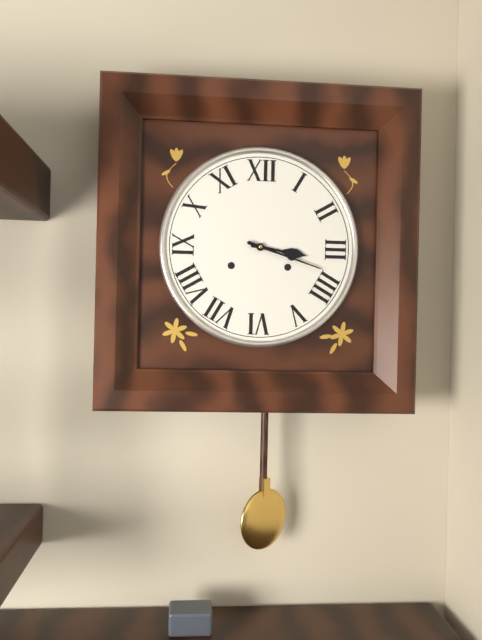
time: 3:18
